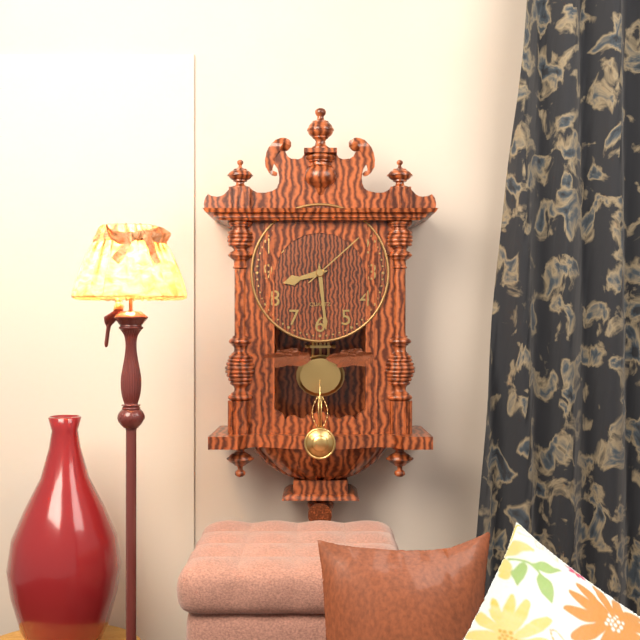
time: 8:29:08
